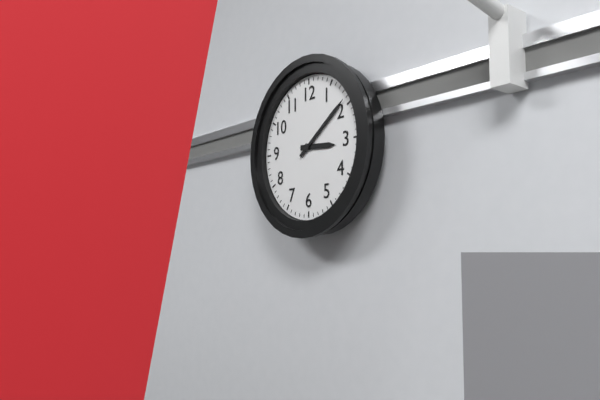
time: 3:09
